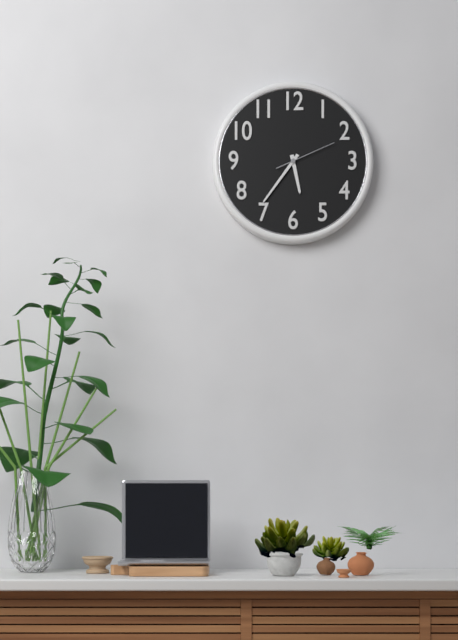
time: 5:36:11
